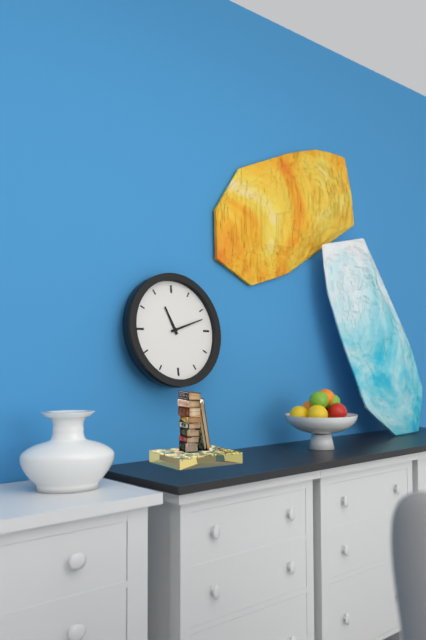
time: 11:12
